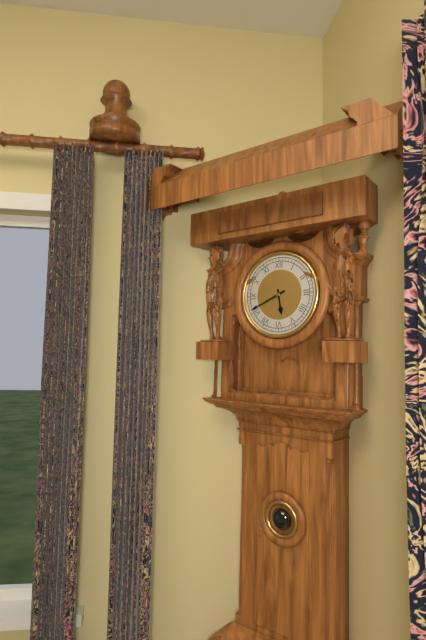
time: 5:41
